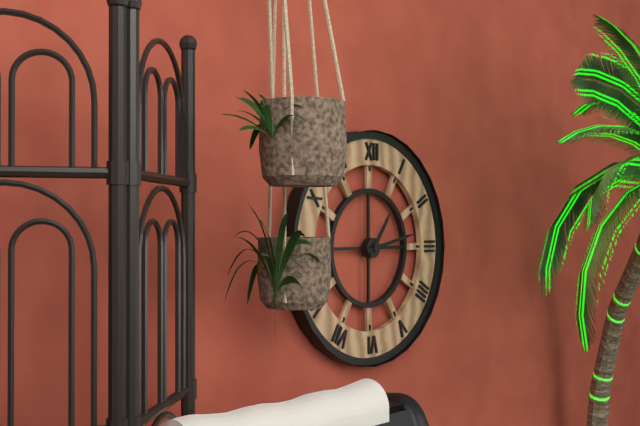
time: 1:13
